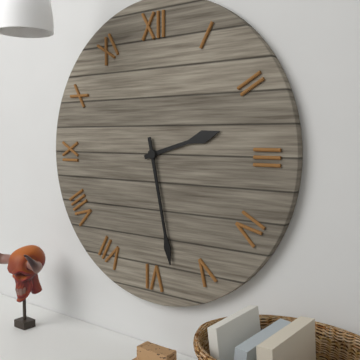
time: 2:28
